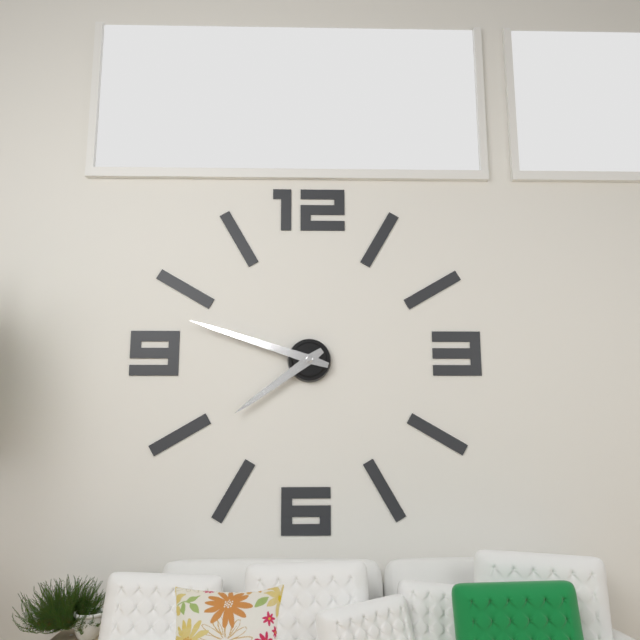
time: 7:48
